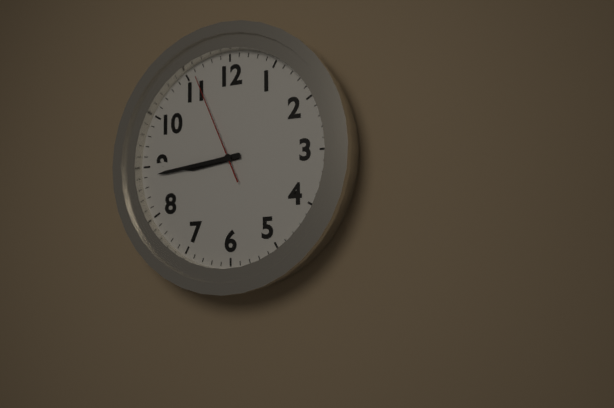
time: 8:44:56
